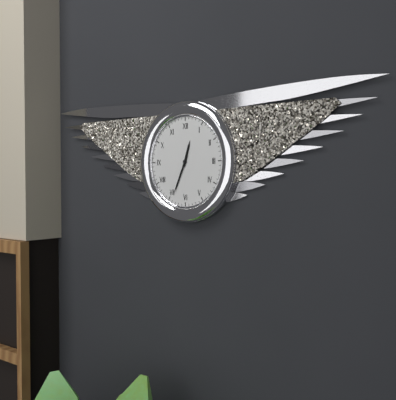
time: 12:34
